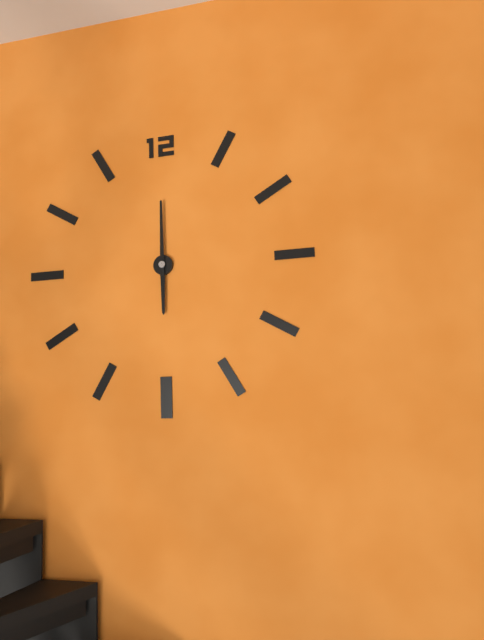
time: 6:00
